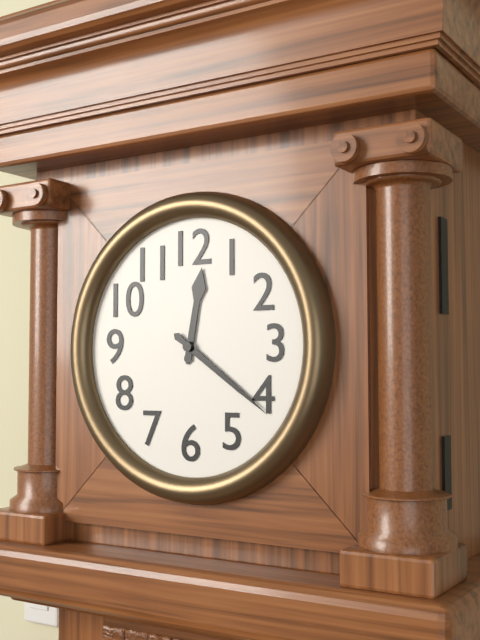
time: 12:21
